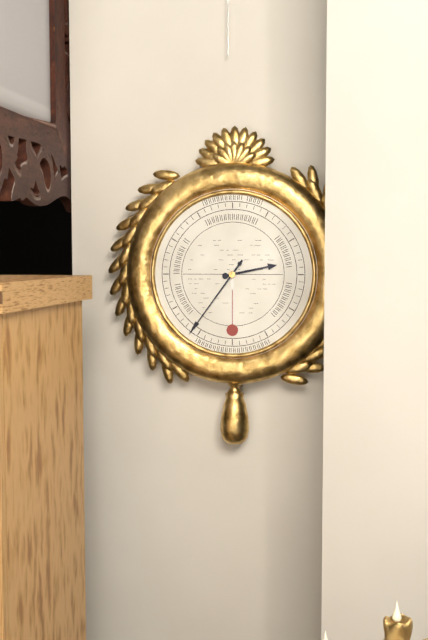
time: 2:36
